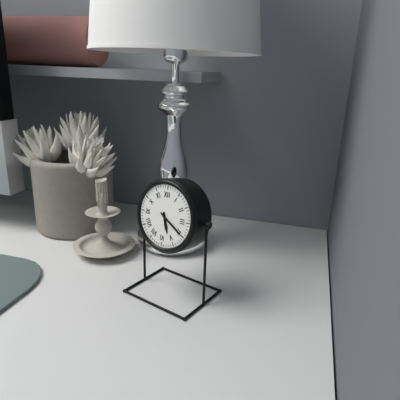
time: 5:20
